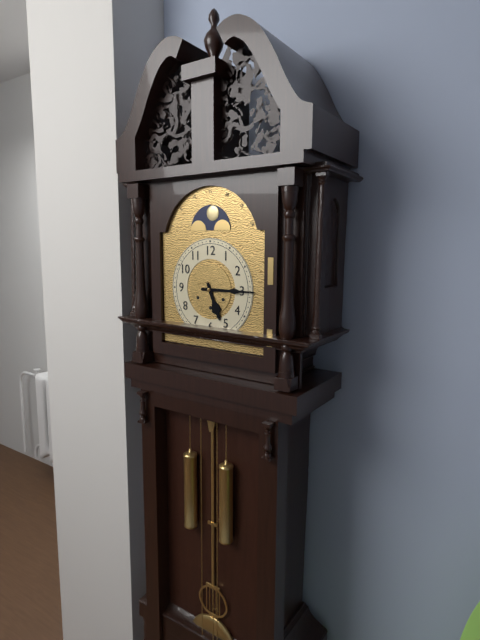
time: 5:15
